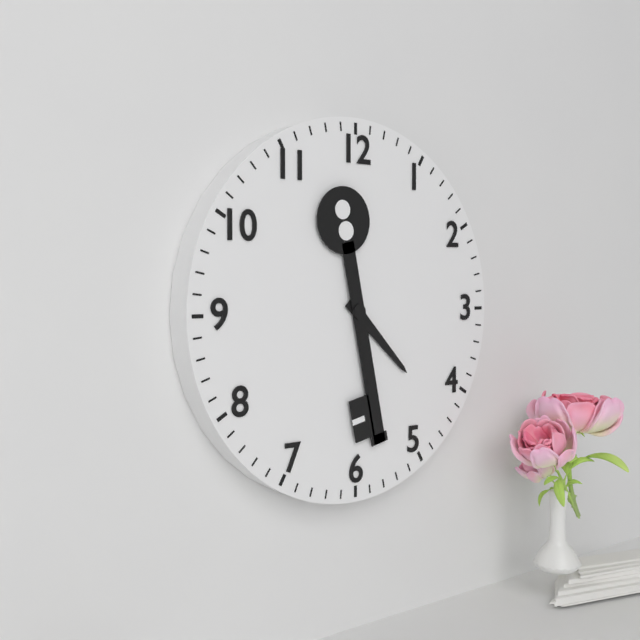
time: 4:28
